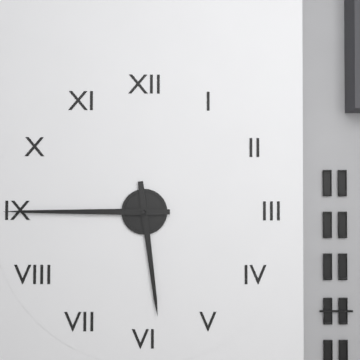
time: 5:45
